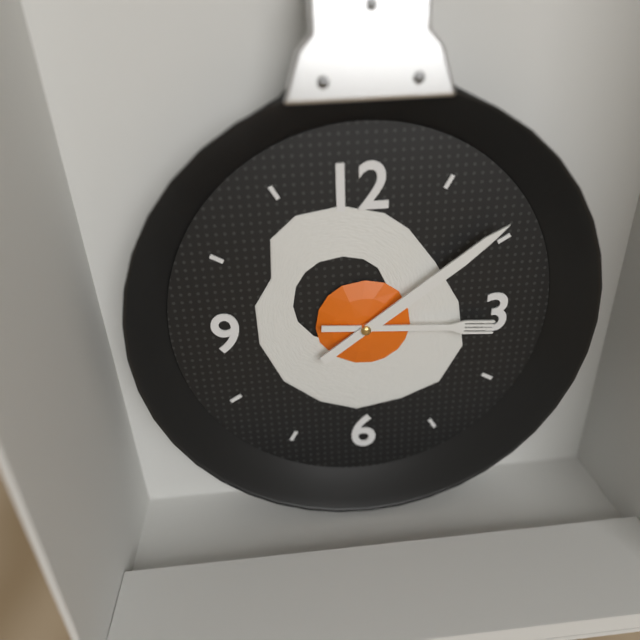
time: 3:09
